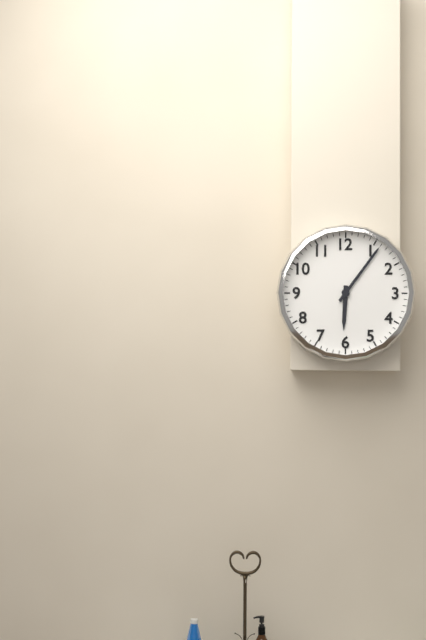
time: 6:06
